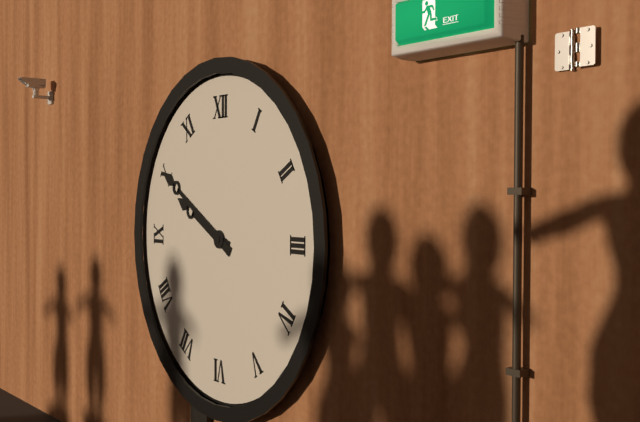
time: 9:50
